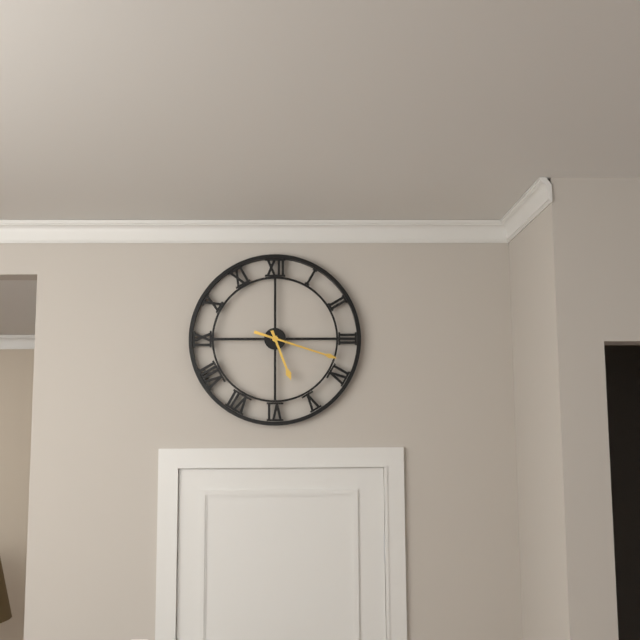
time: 5:18
